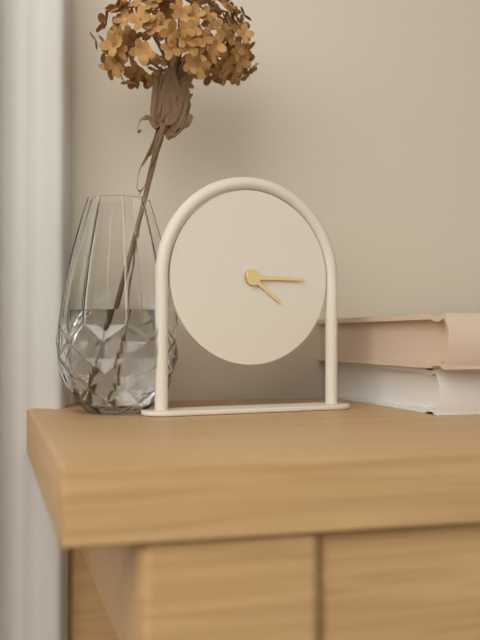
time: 4:15
